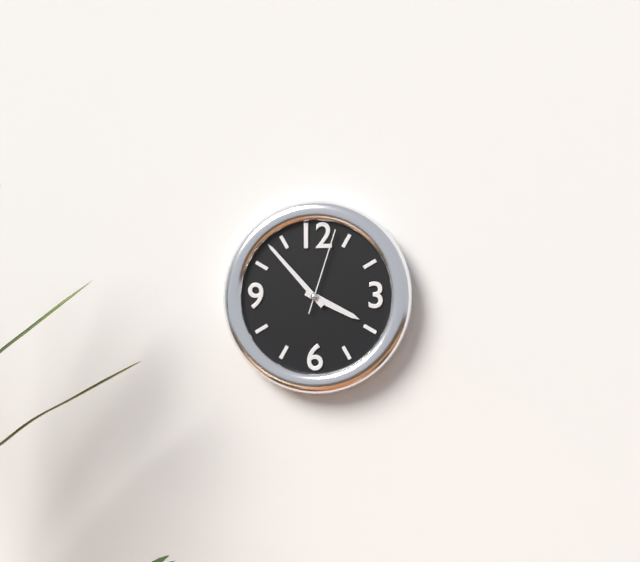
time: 3:53:03
